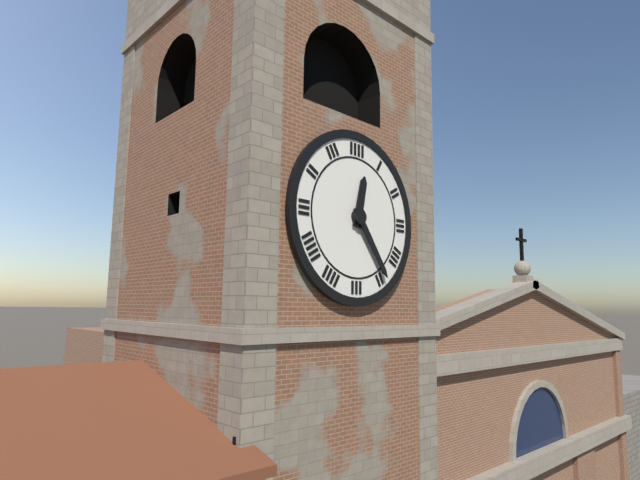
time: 12:24
